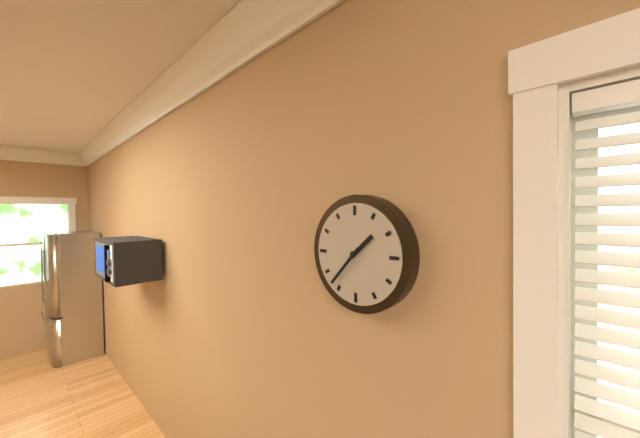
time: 1:37
